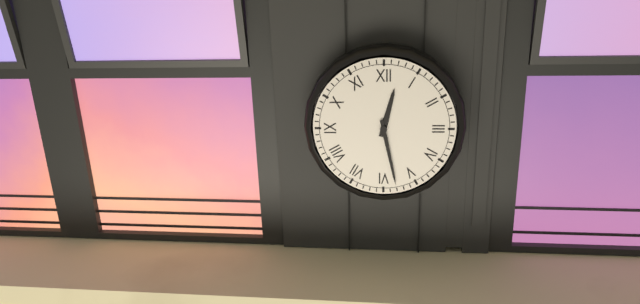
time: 12:28
